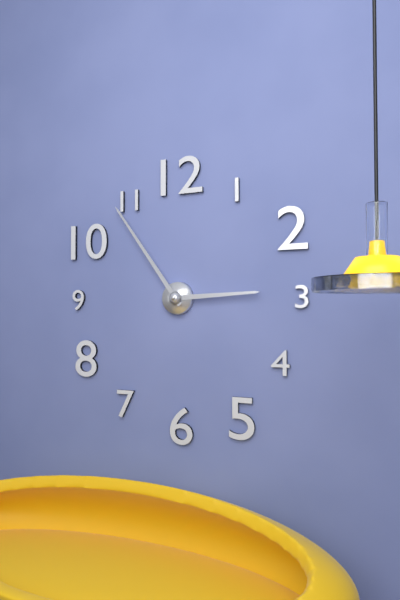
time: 2:54
